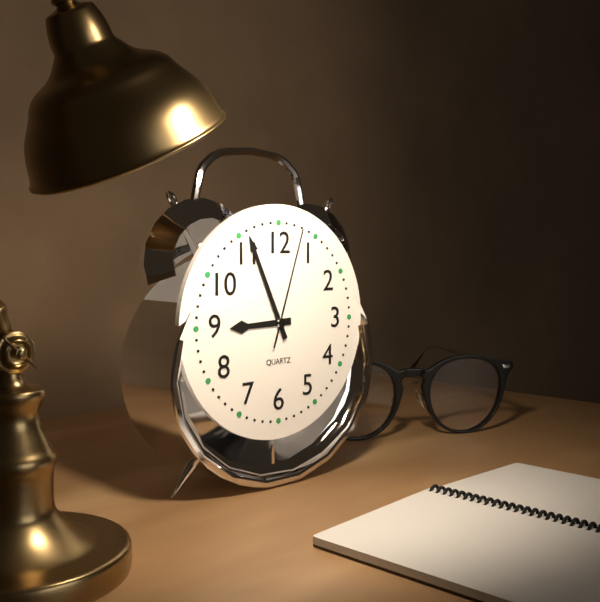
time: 8:56:03
